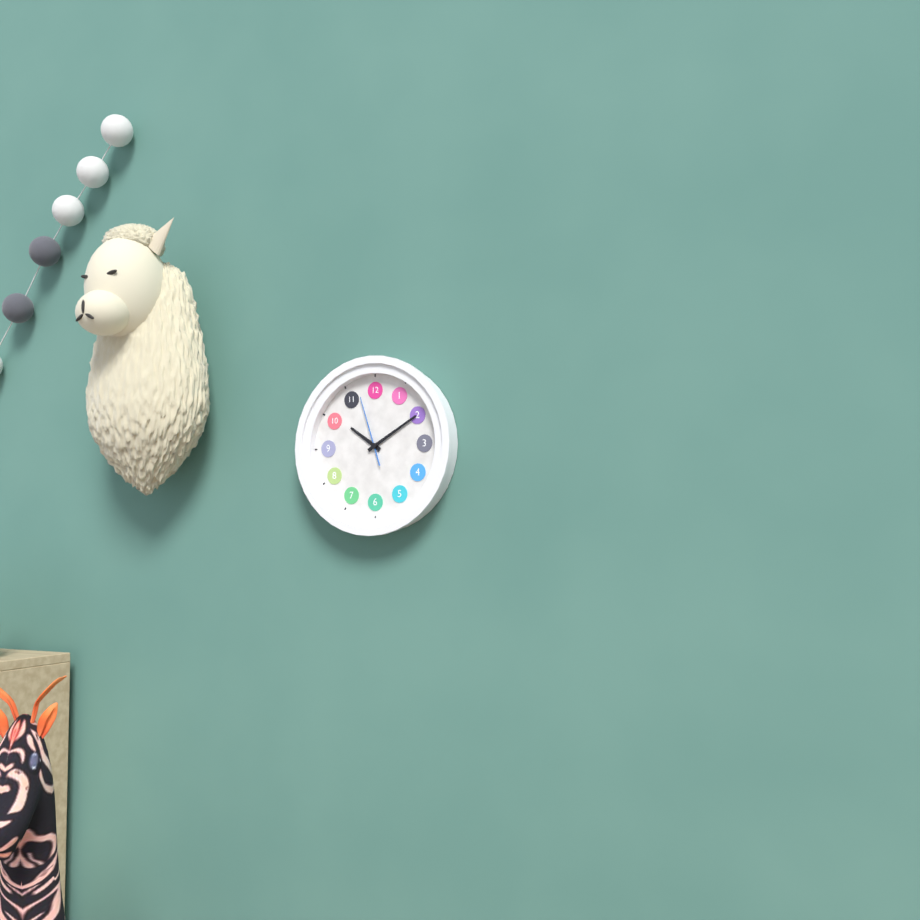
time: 10:10:57
